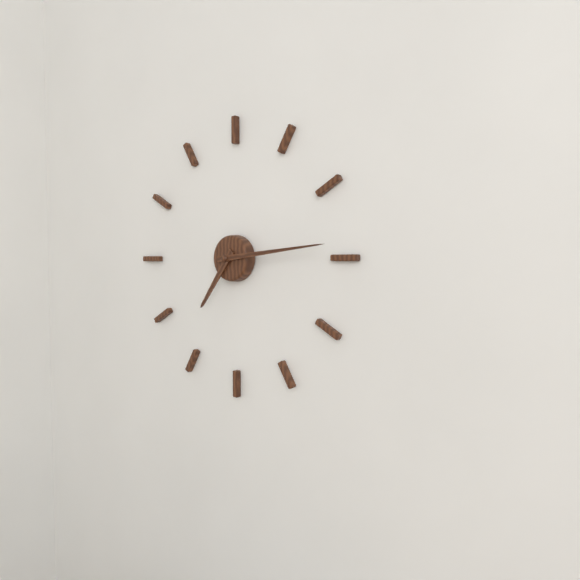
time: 7:14
